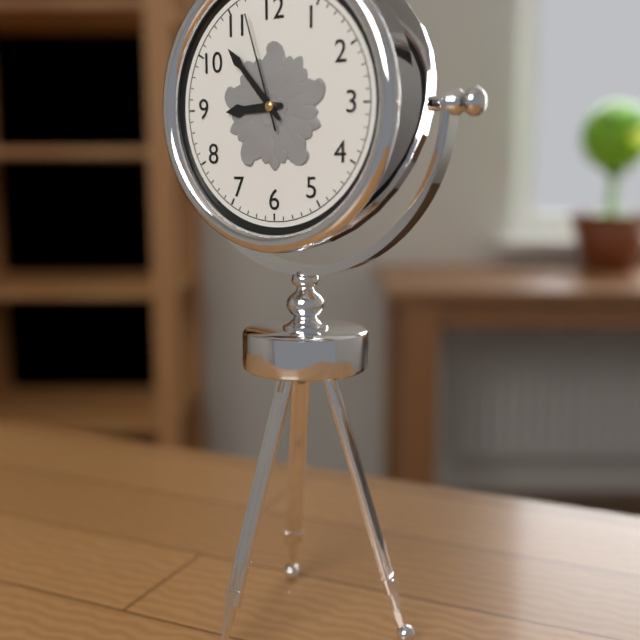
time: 8:53:57
